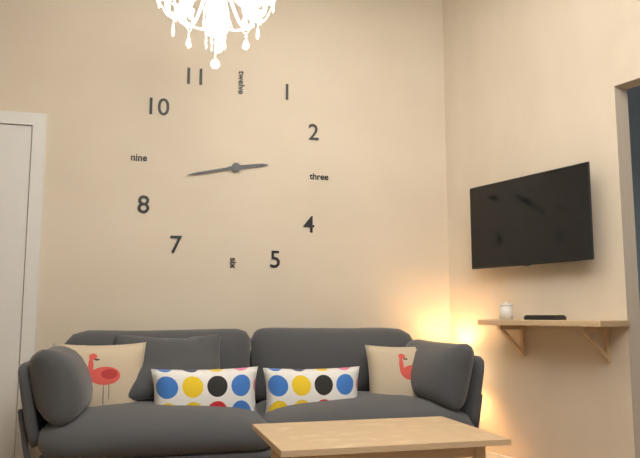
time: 2:43
